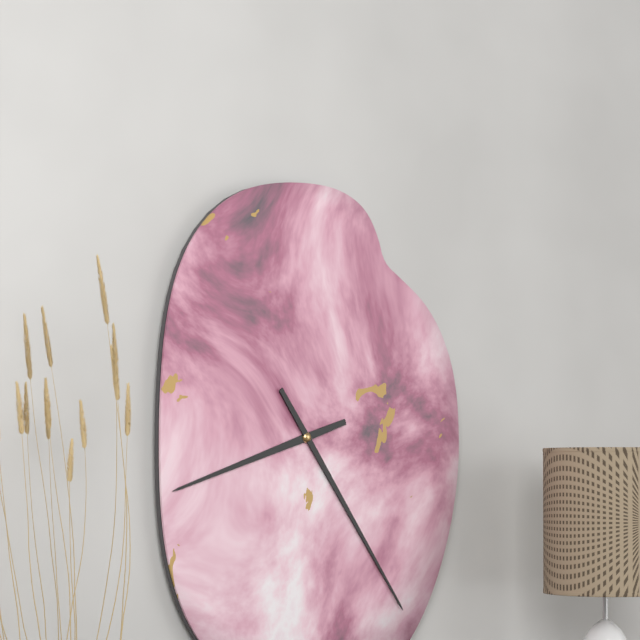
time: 8:24
